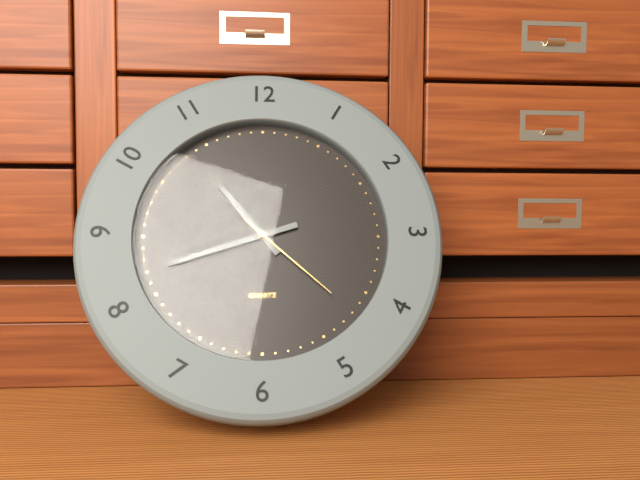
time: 10:42:22
